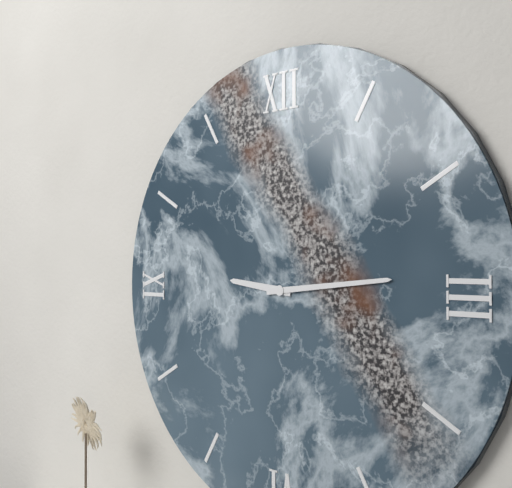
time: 9:14
